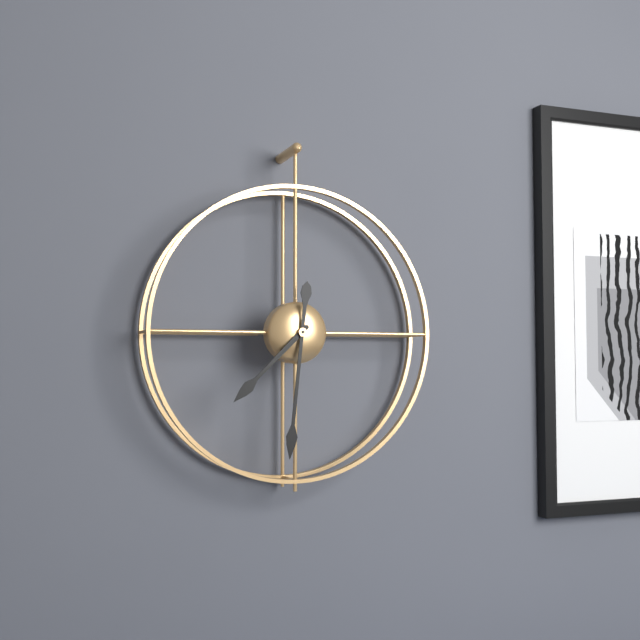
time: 7:31
